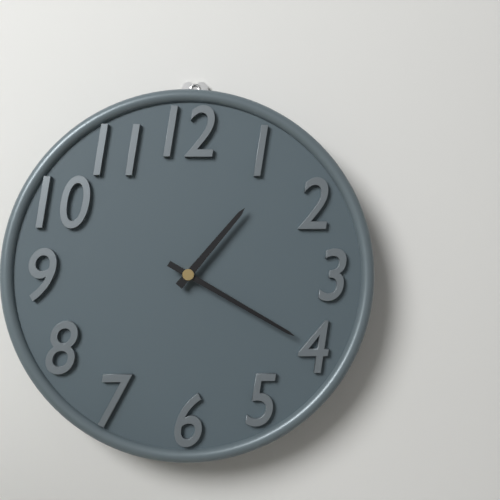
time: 1:20
